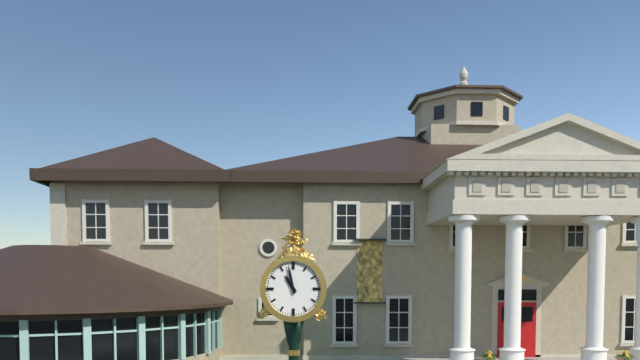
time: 10:58
